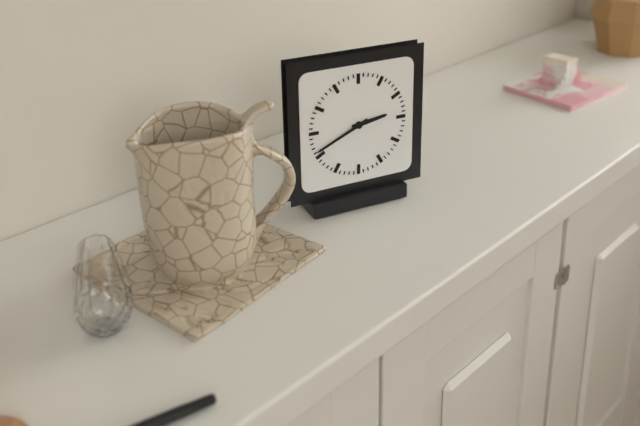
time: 2:41
